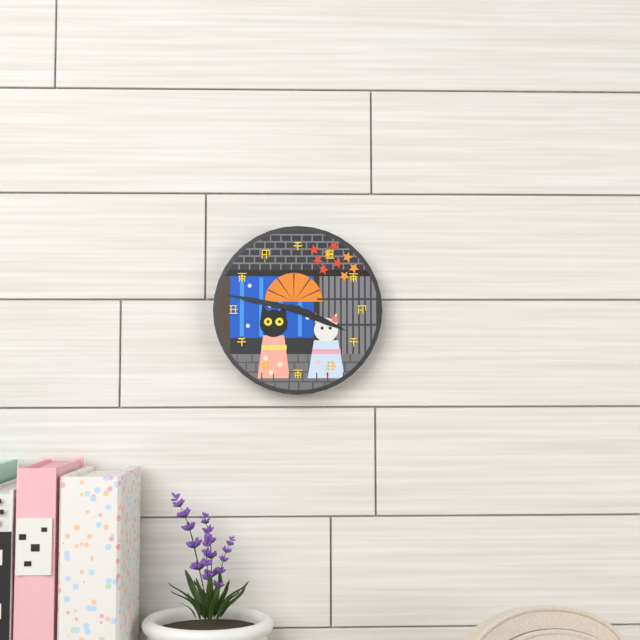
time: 3:47
